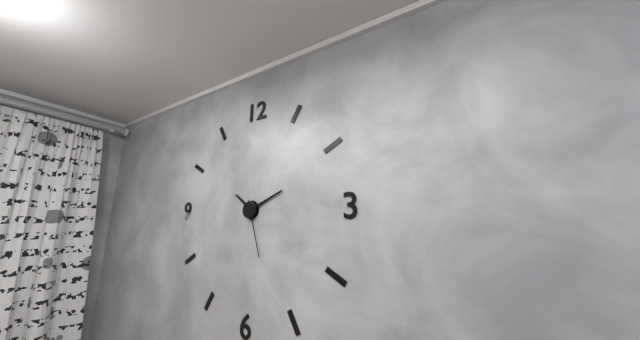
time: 10:11:27
